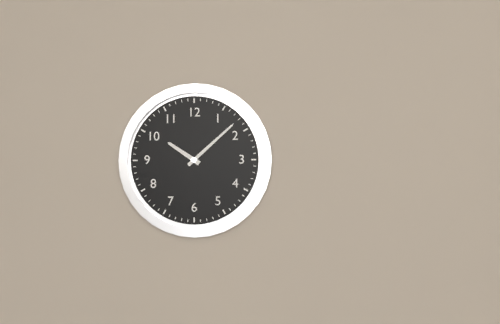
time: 10:08
